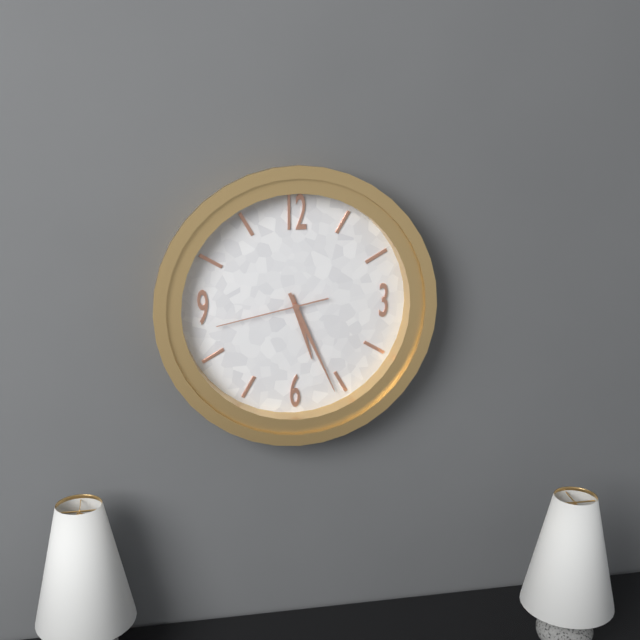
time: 5:26:43
